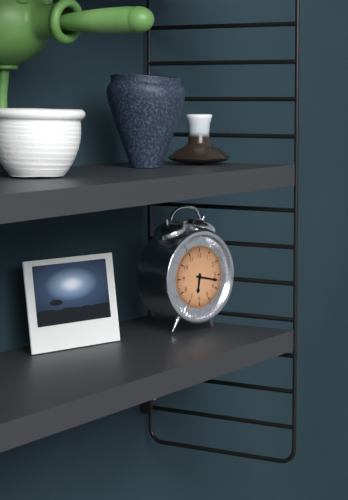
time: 6:17
